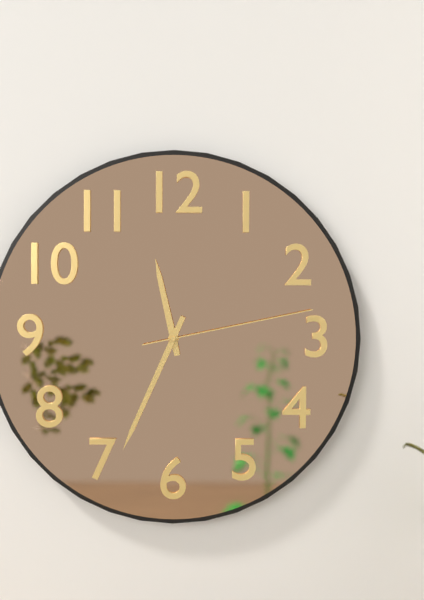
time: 11:34:13
